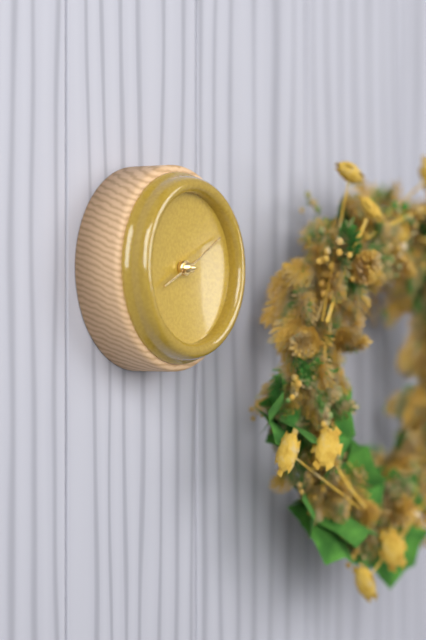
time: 8:10
